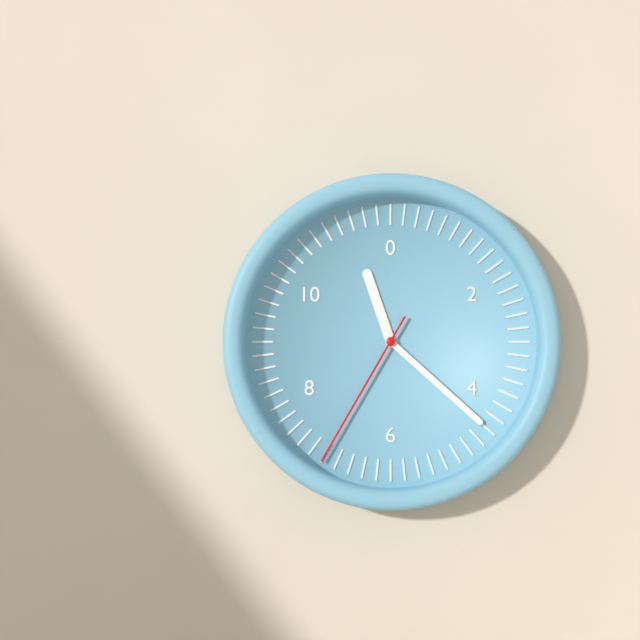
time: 11:22:35
